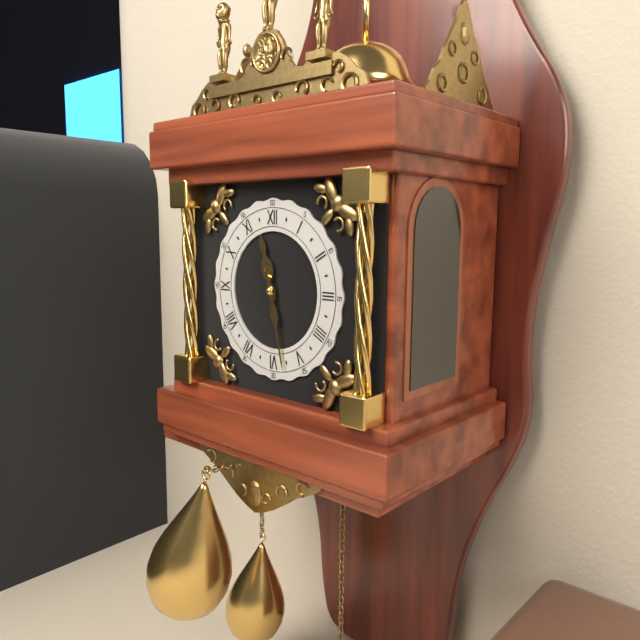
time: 11:28
